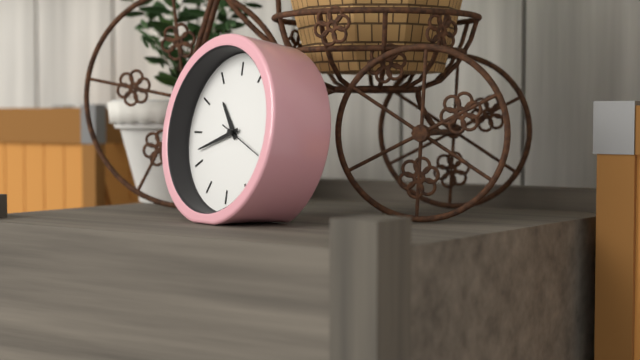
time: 10:42
